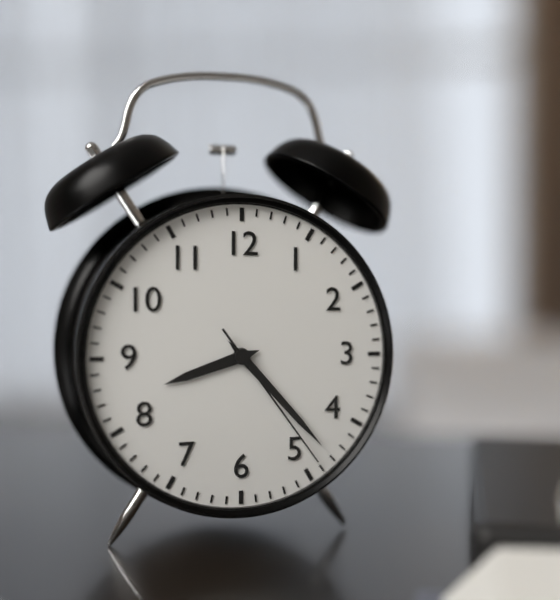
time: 8:23:24
